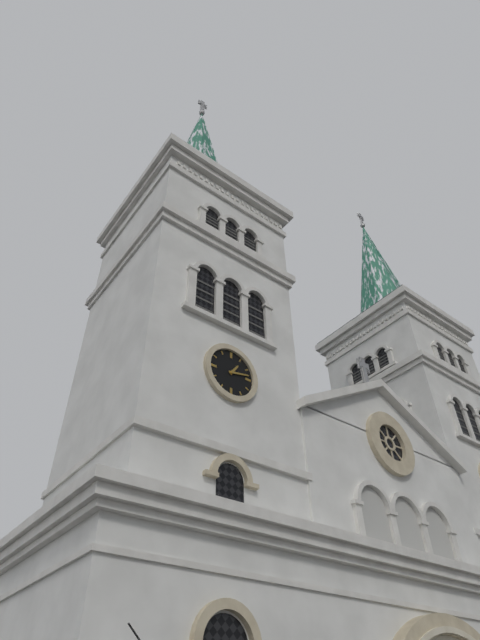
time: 1:13
